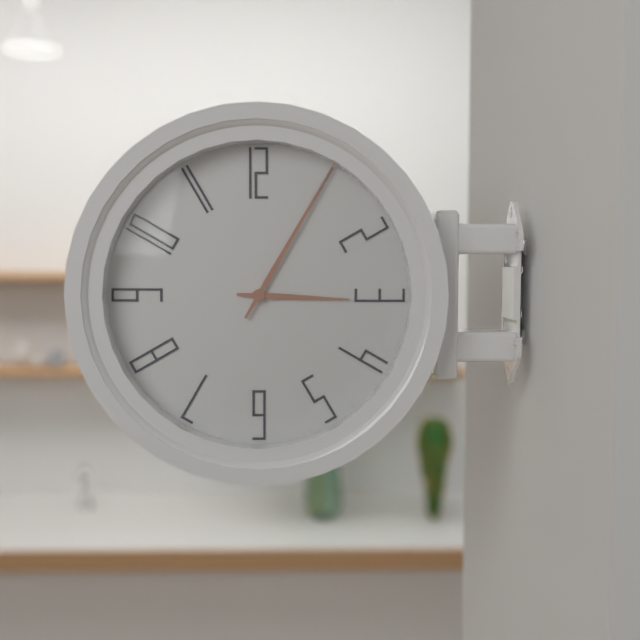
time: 3:05
